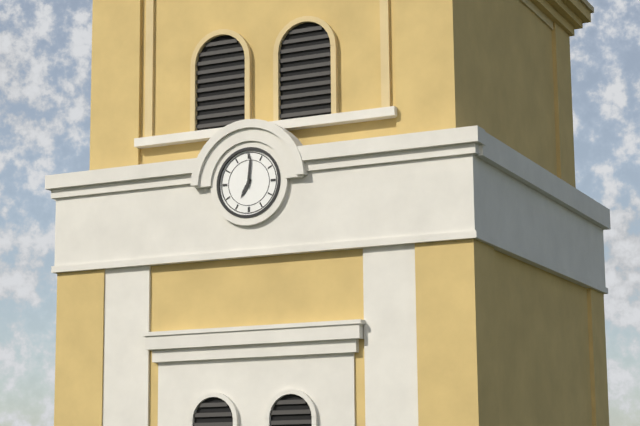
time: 7:01
